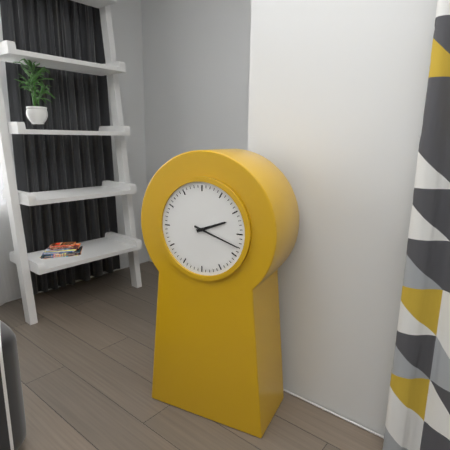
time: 2:18
